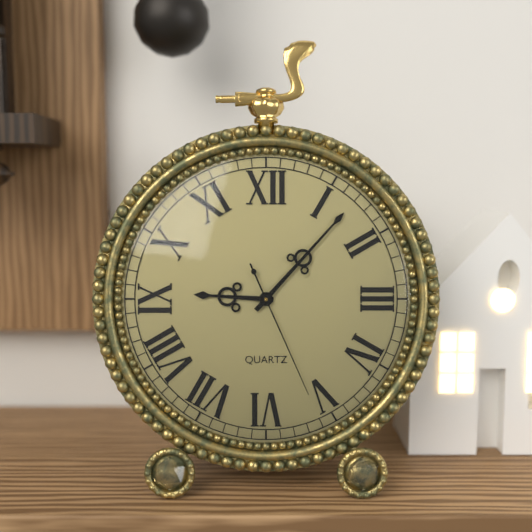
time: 9:07:26
